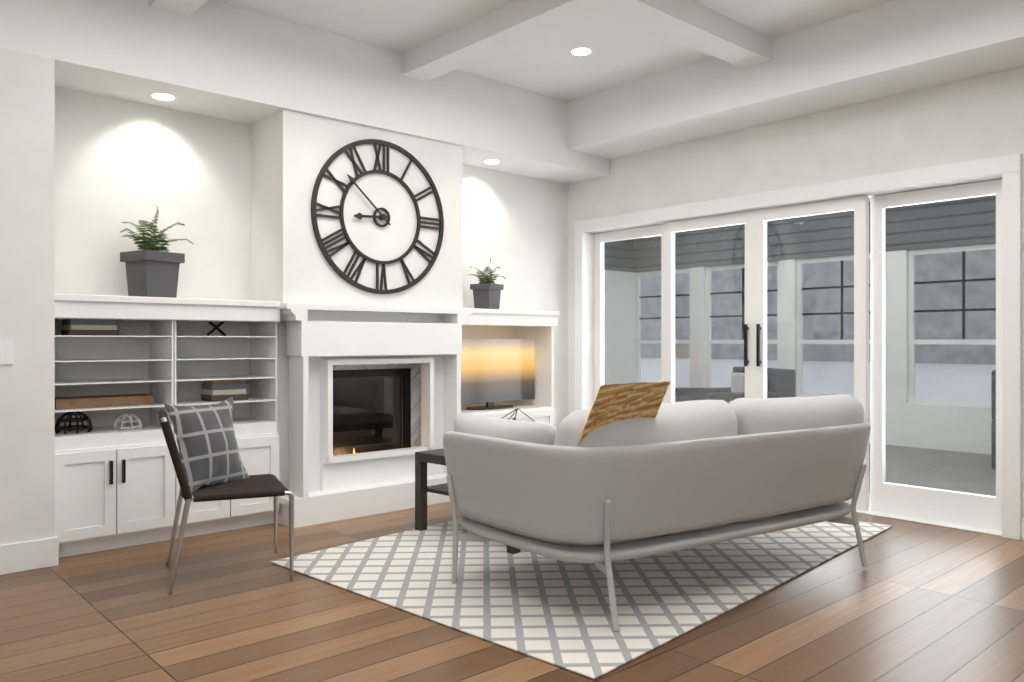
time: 8:52
